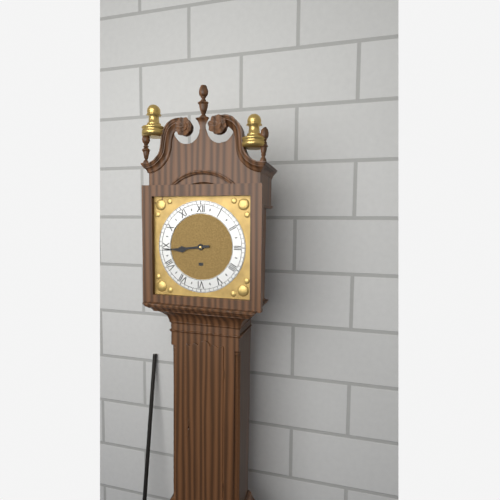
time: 8:44
